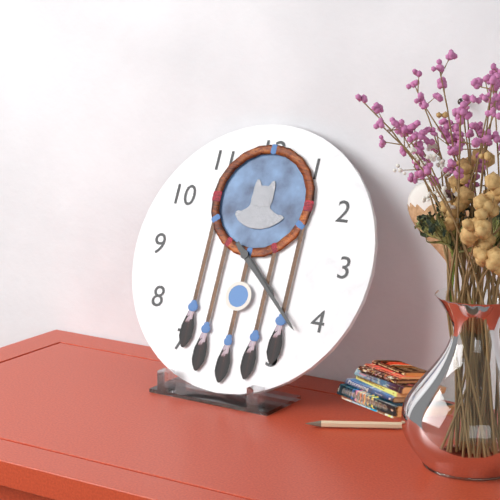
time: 4:22
